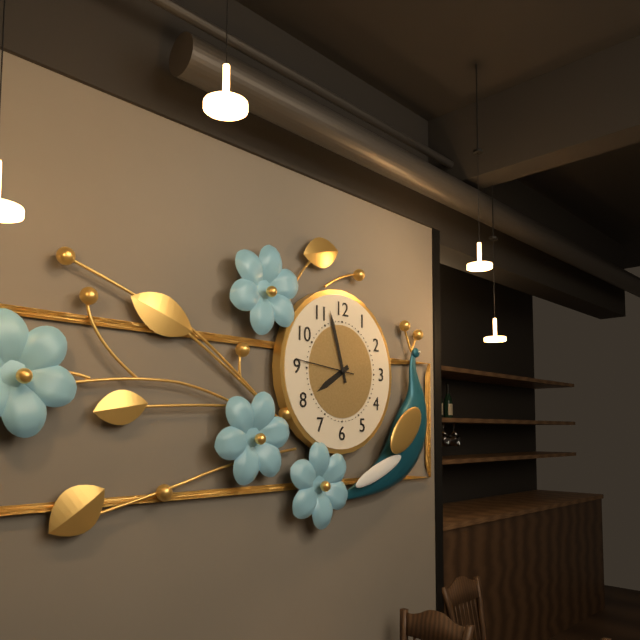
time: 7:57:46
